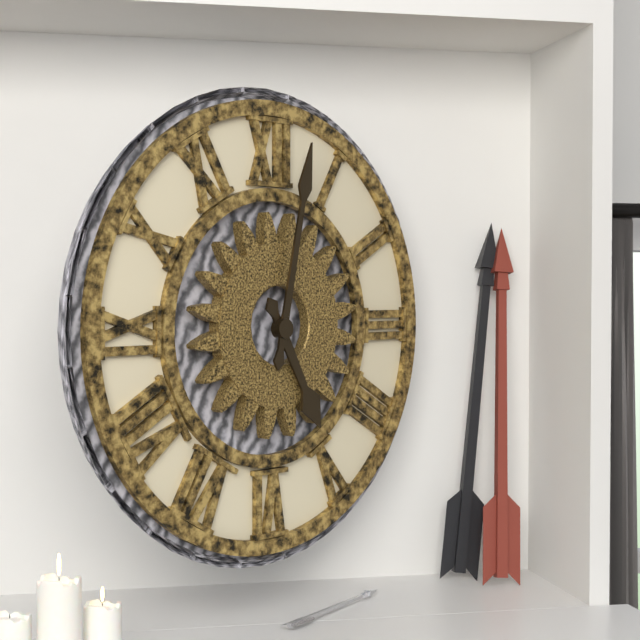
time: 5:02
